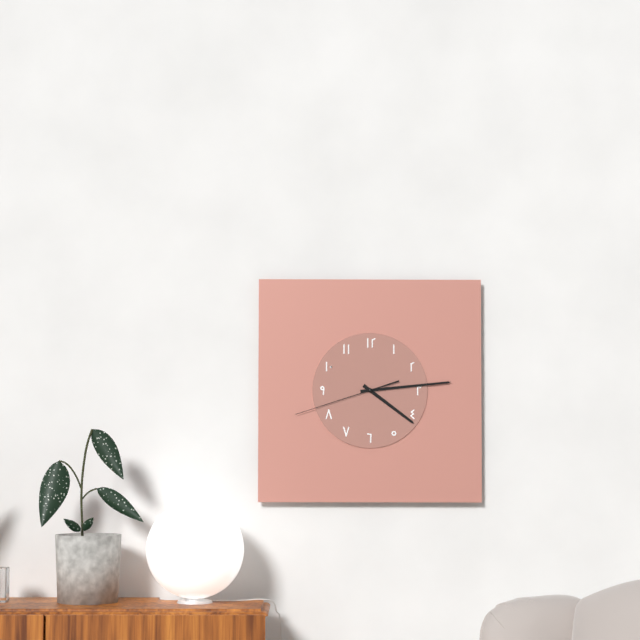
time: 4:14:42
